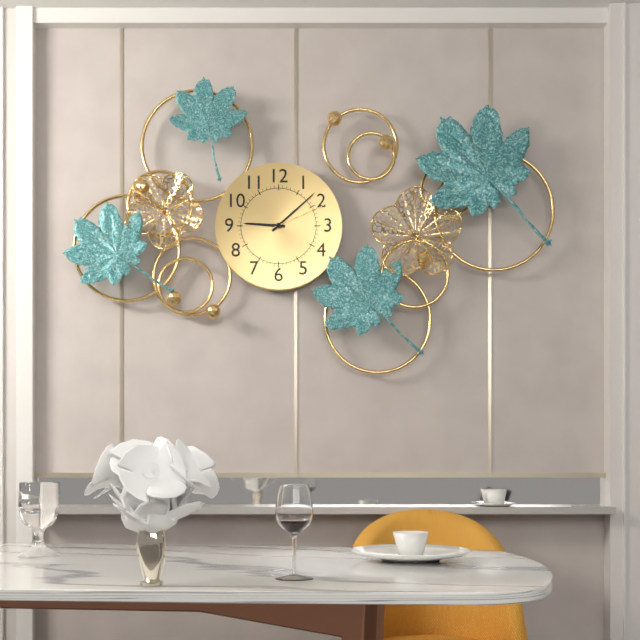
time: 9:08:11
